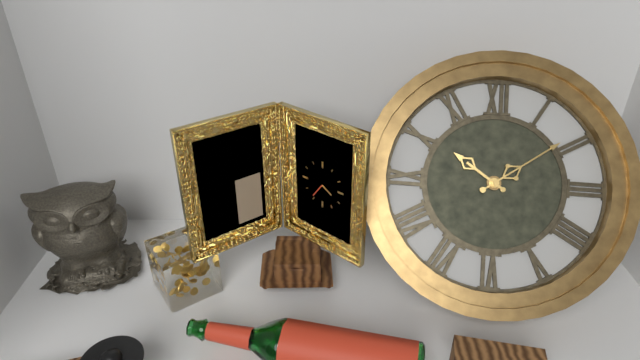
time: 10:09
